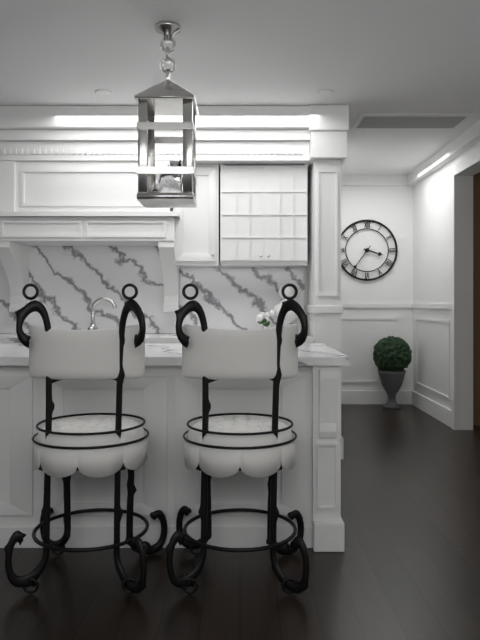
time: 3:36
